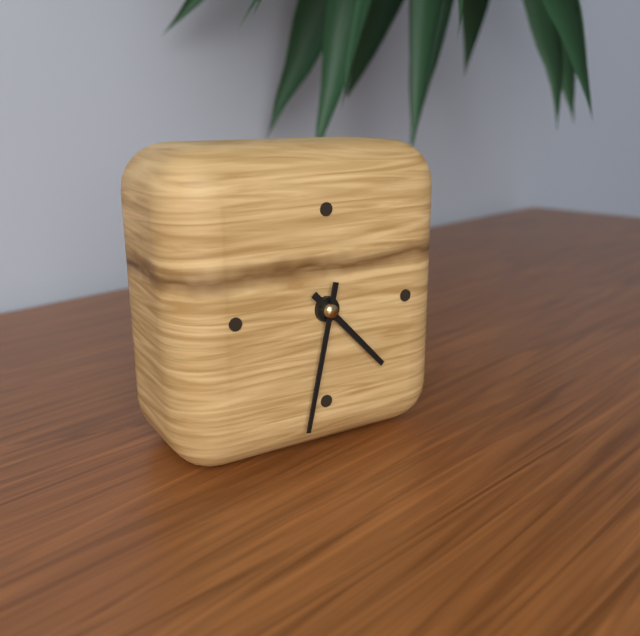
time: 4:32
